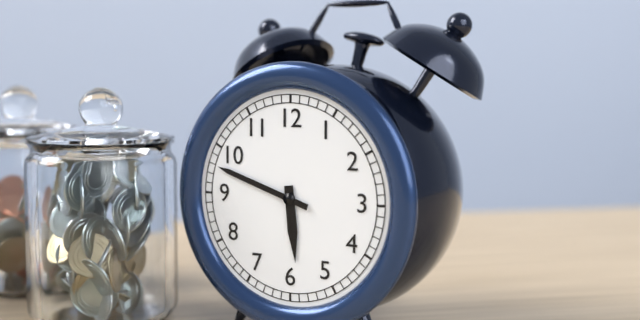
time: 5:48
